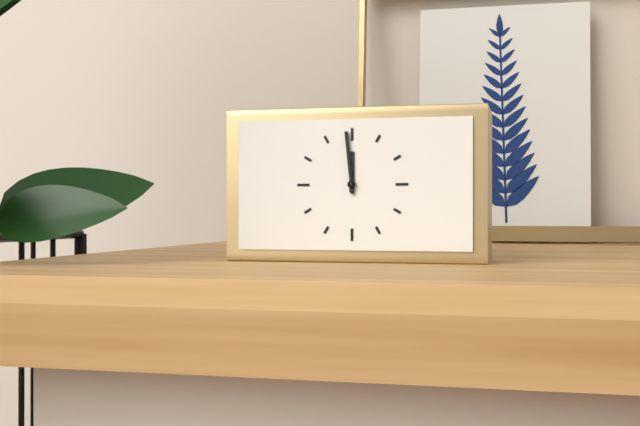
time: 11:59
